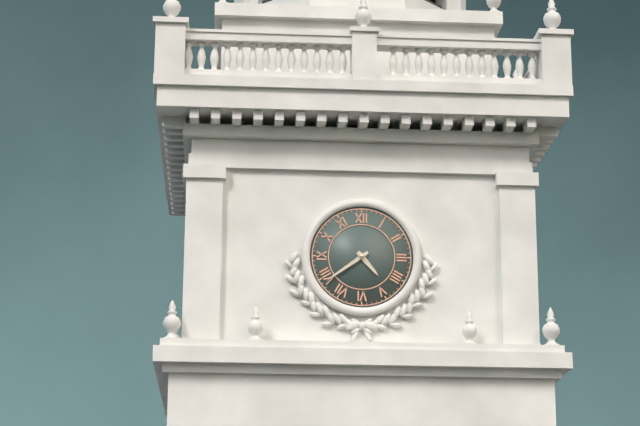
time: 4:39
